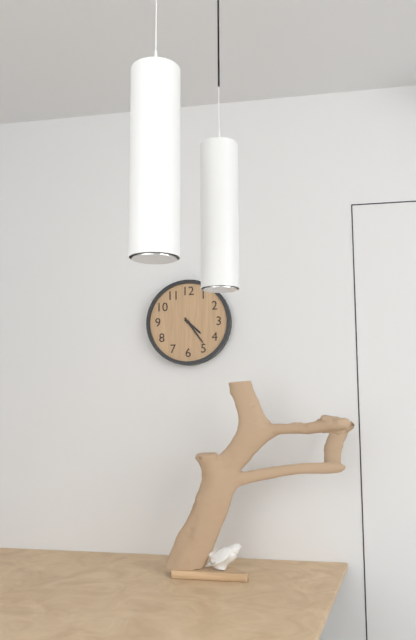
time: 4:24
